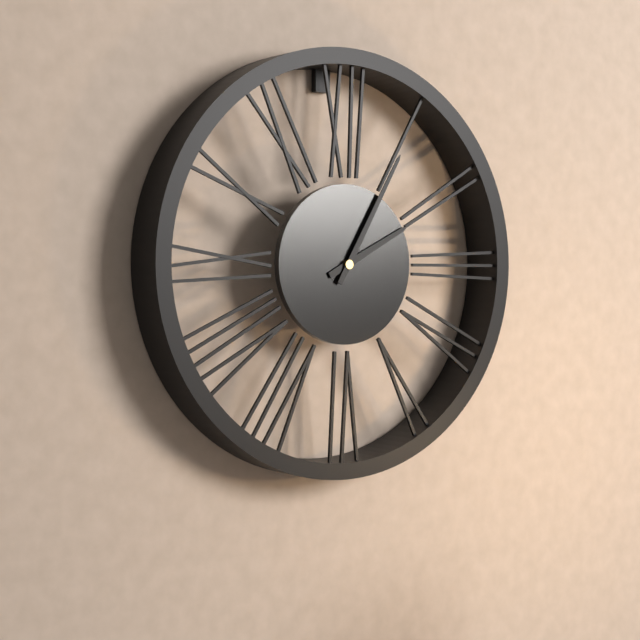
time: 2:05
